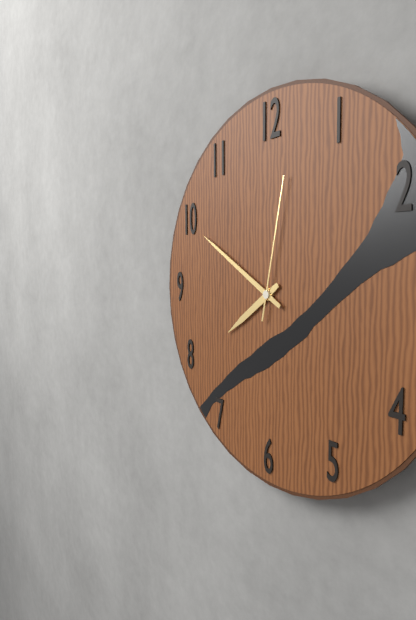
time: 7:50:02
